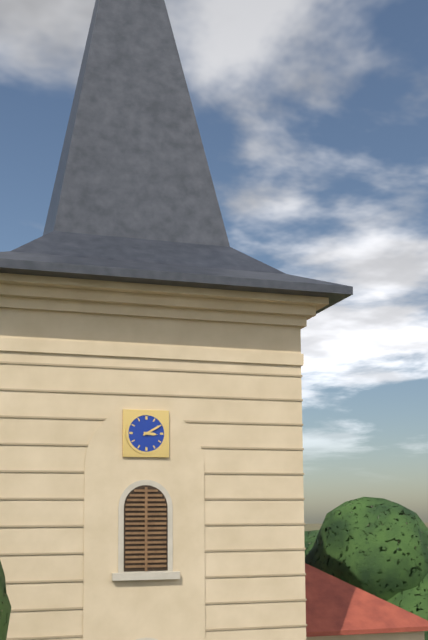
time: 3:10
